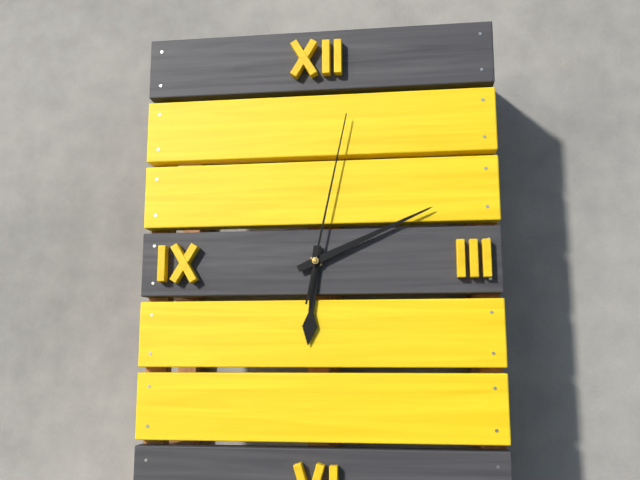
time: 6:11:02
